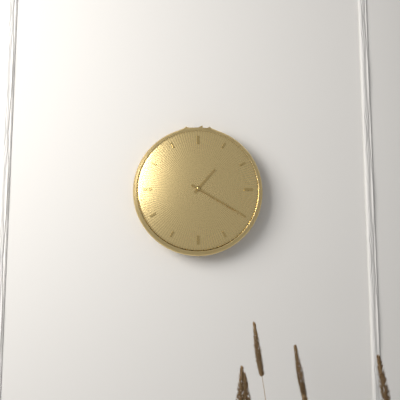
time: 1:20
